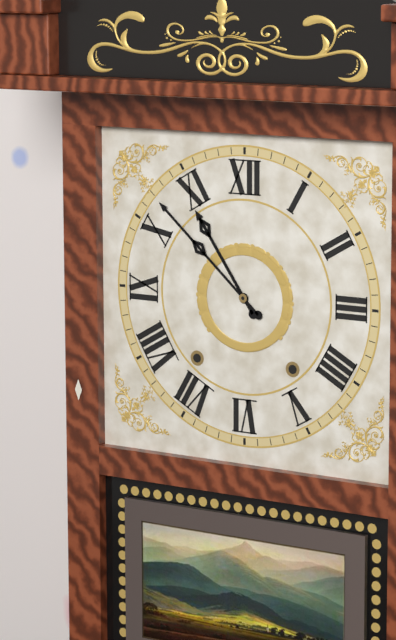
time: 10:52
